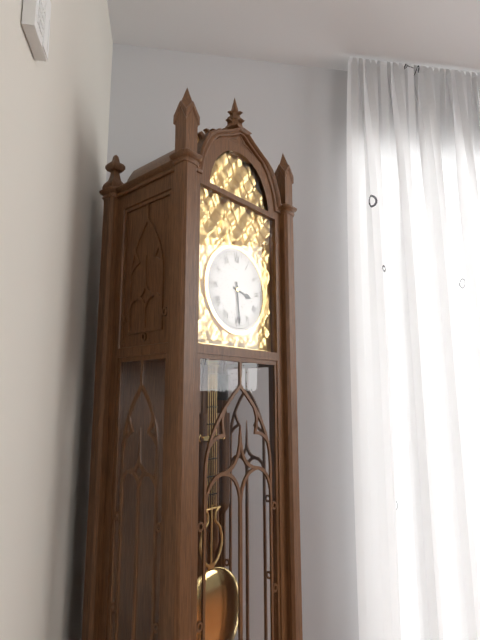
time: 3:29
